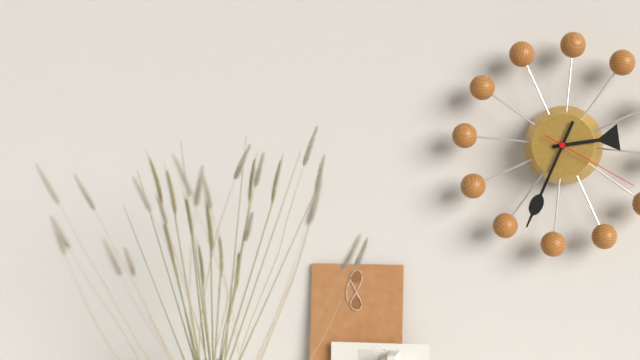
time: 2:33:19
